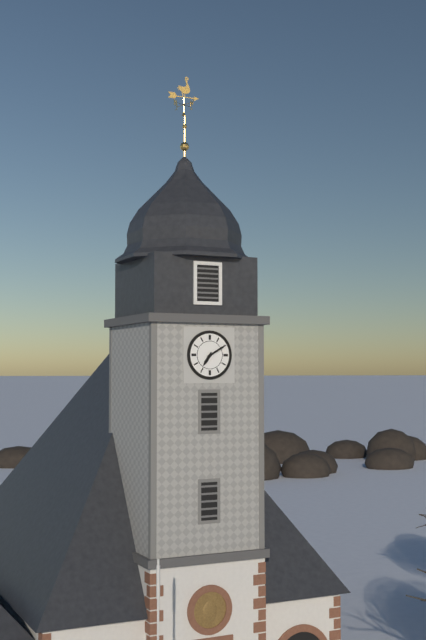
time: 7:10
